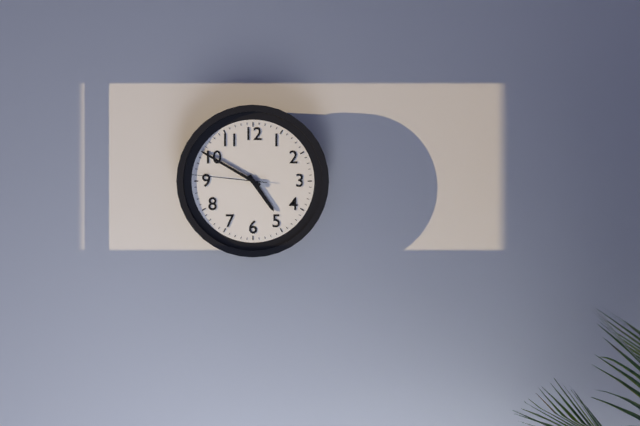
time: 4:50:46
